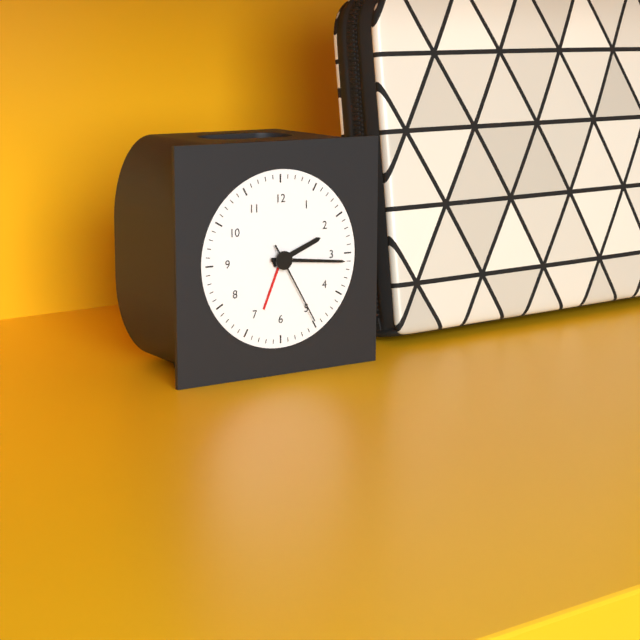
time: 2:16:25
